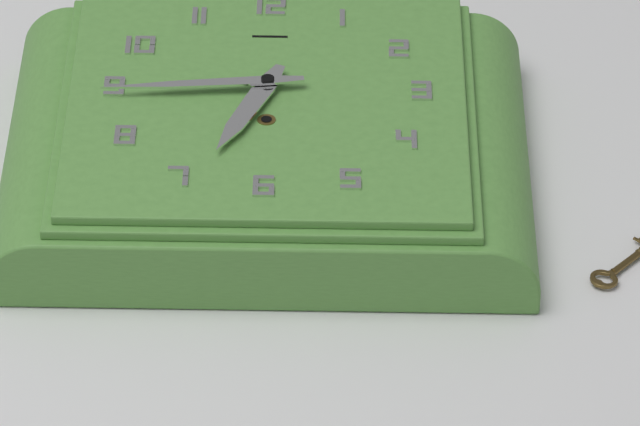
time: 6:44
